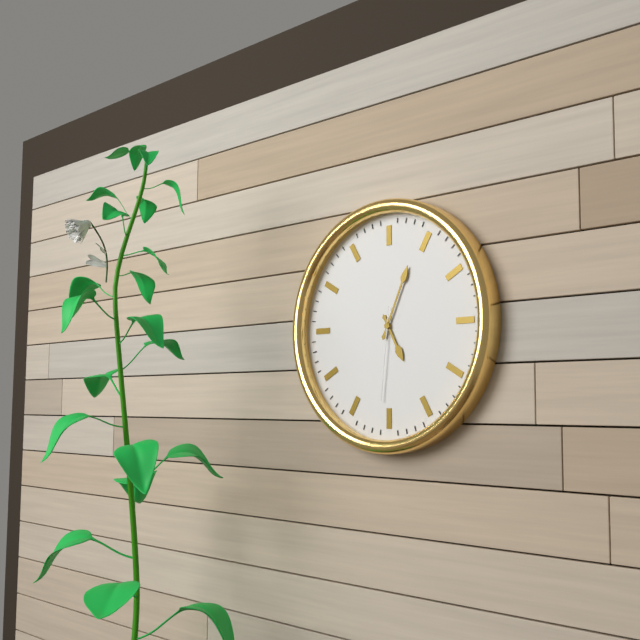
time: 5:04:31
